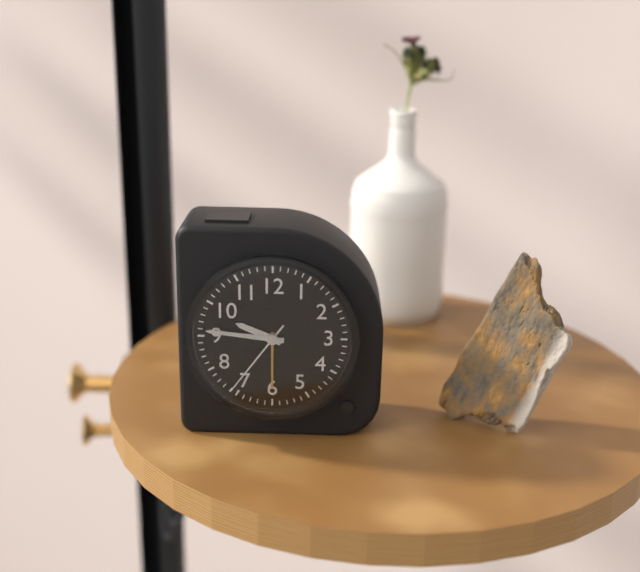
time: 9:46:36
